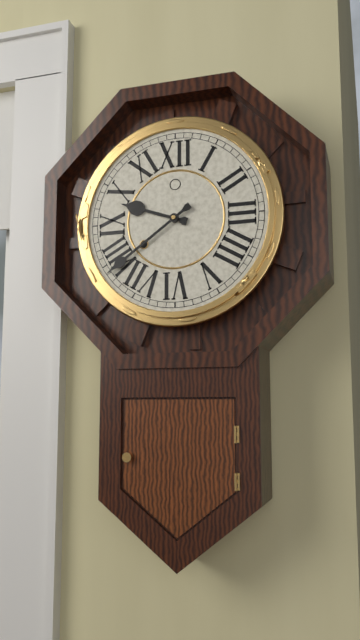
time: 9:39
